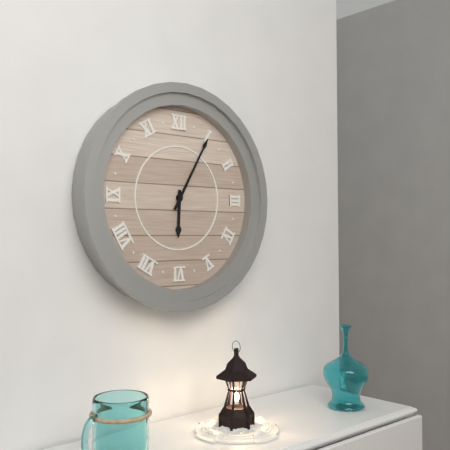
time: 6:05
